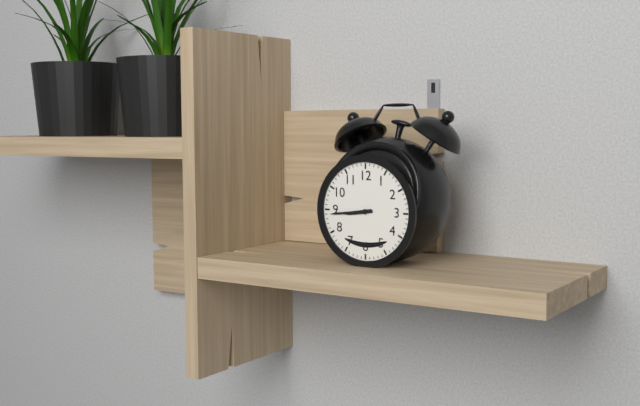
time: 8:44
